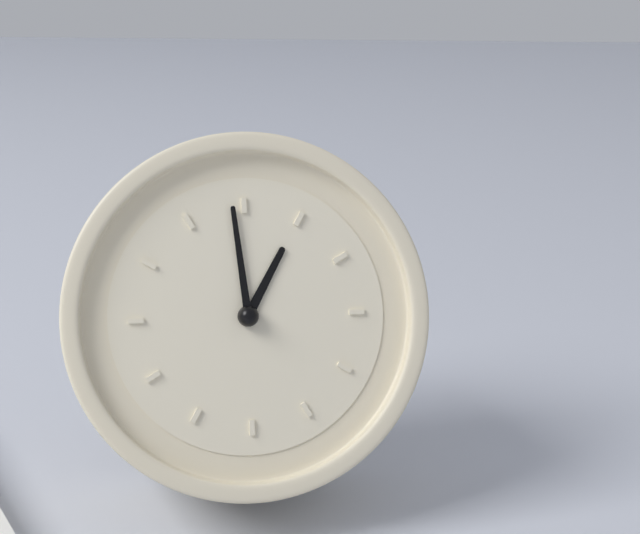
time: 12:59
